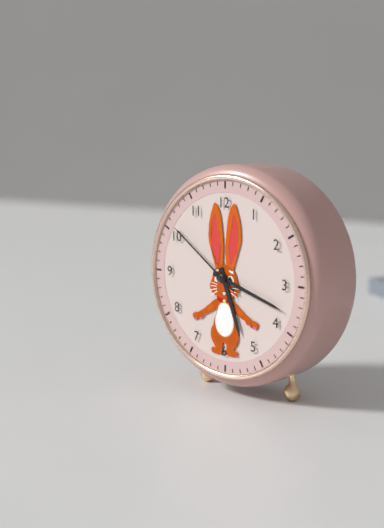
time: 5:18:51
